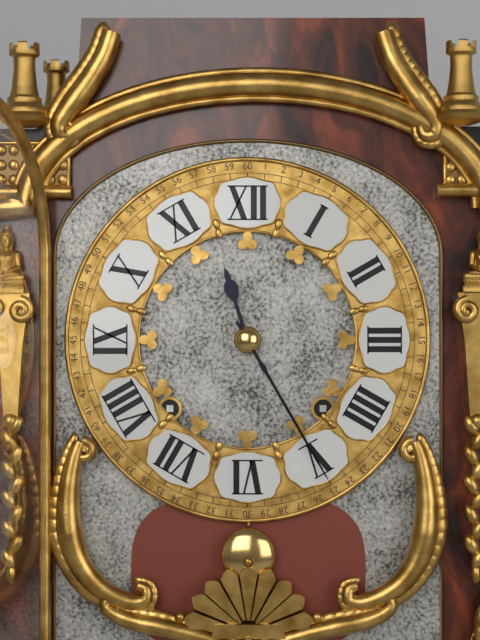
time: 11:25
